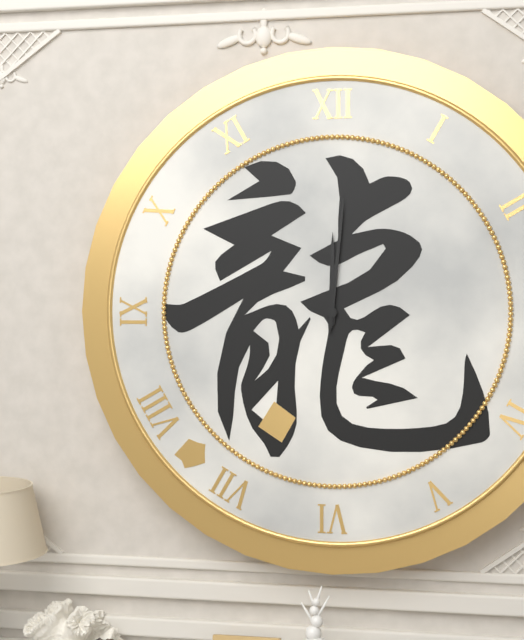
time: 12:01
